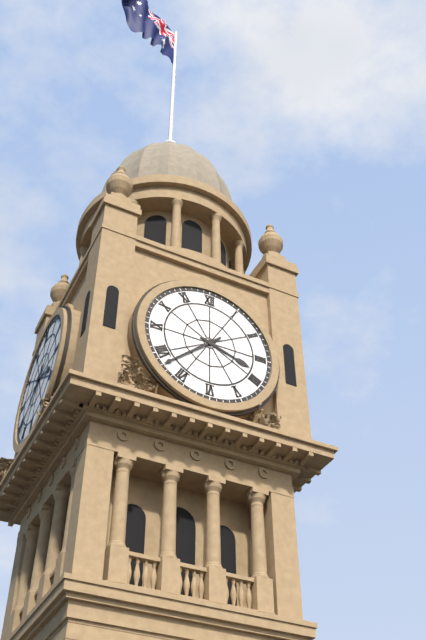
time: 3:38
